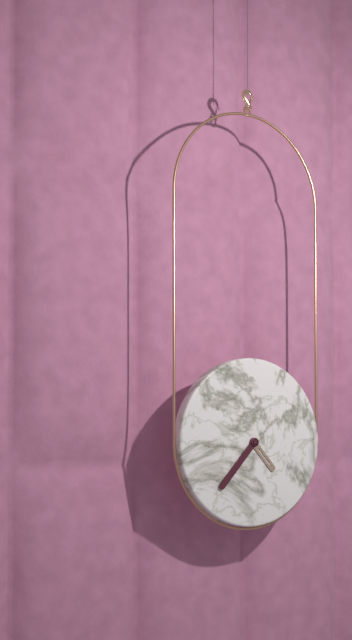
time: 4:37
